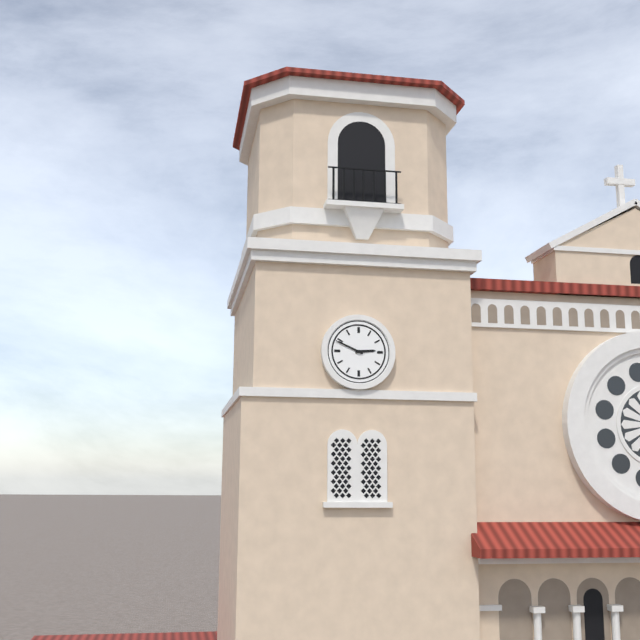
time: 2:49
